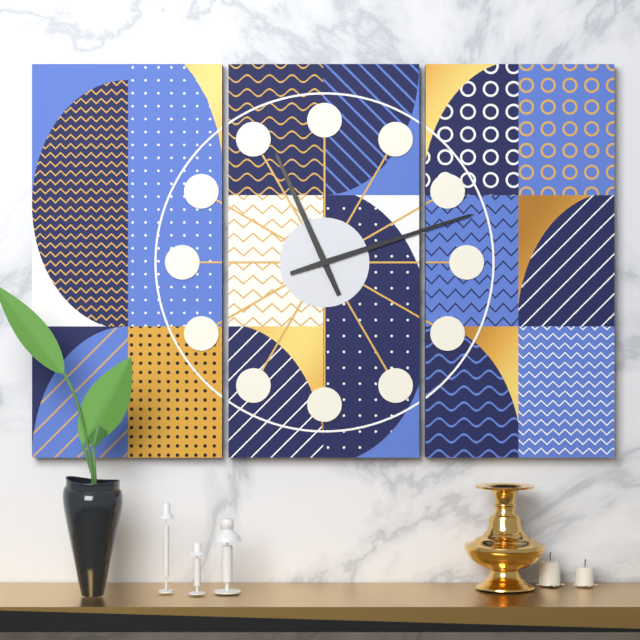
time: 11:12
